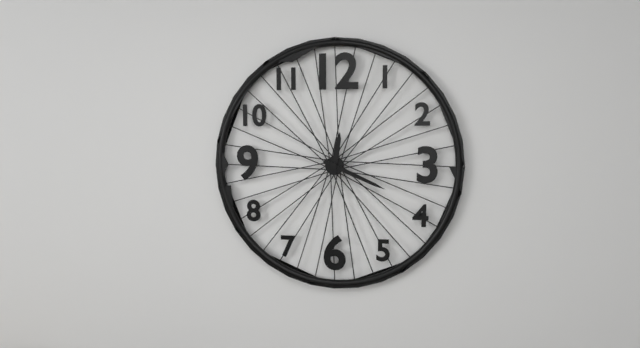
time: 12:19
